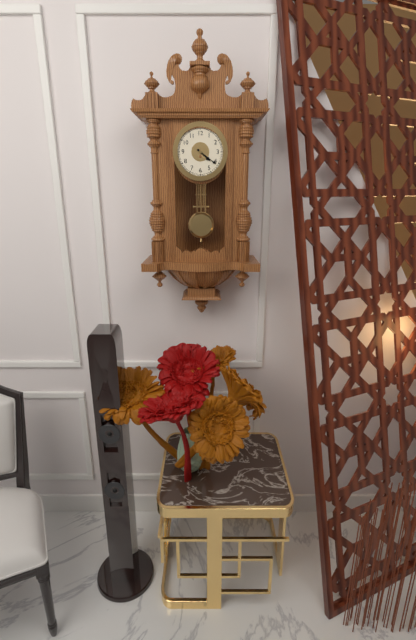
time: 4:21
